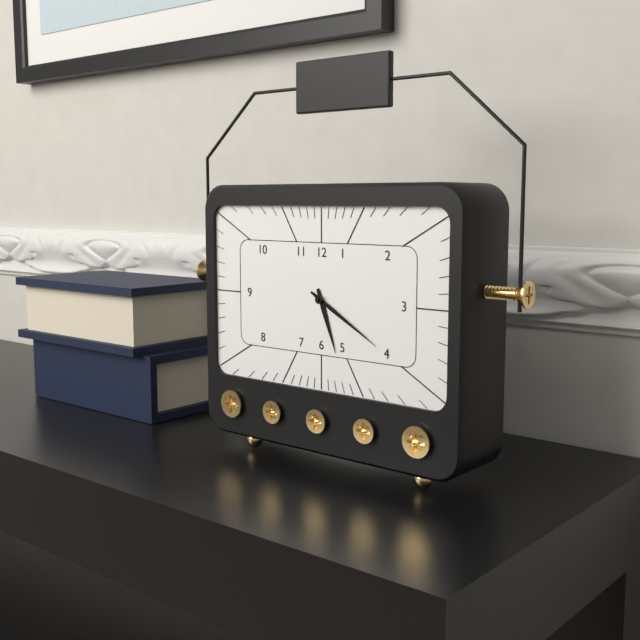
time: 5:20
